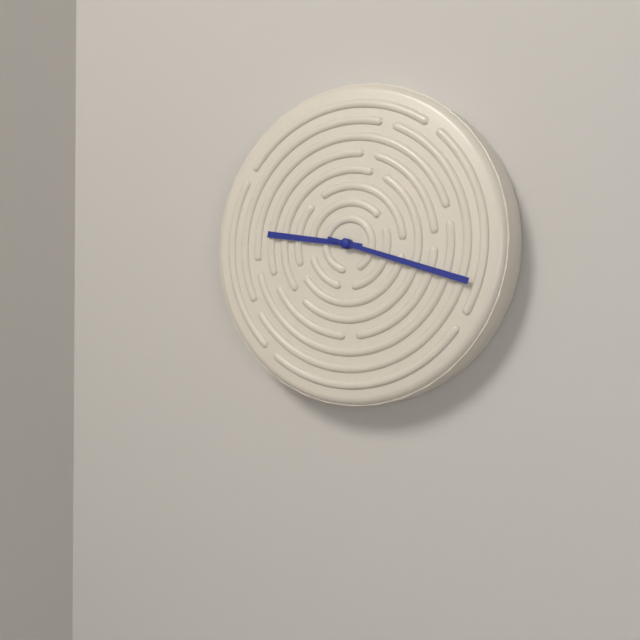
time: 9:18
